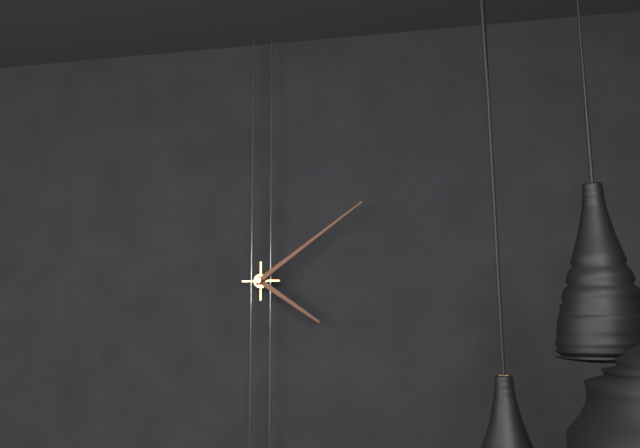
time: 4:09
